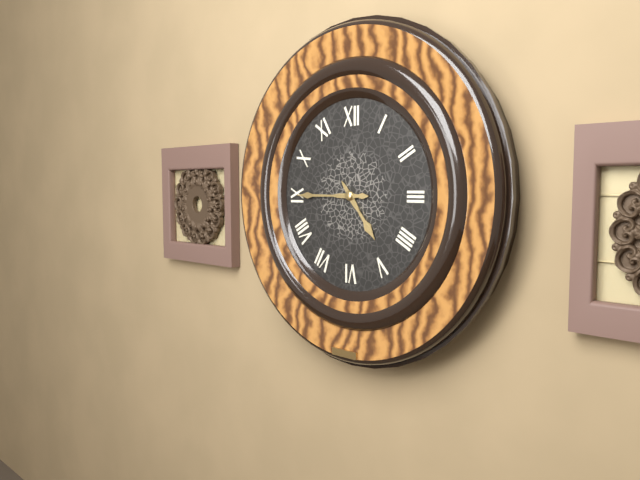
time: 4:45
